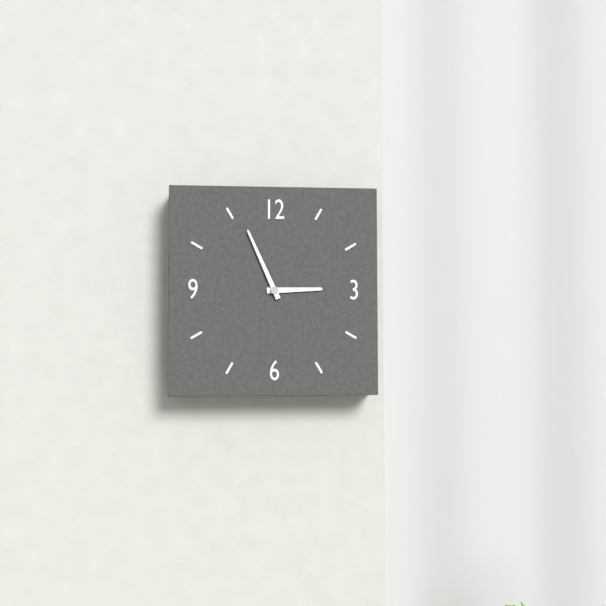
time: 2:56
